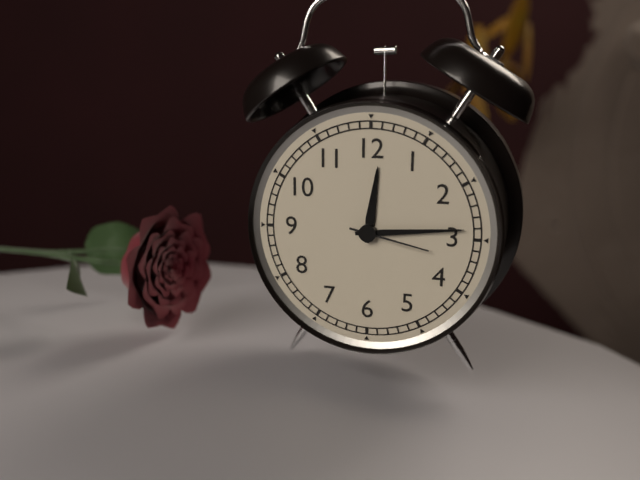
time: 12:14:17
